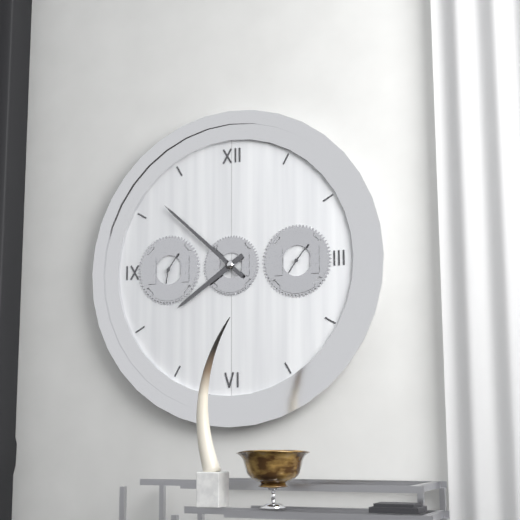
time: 7:52
